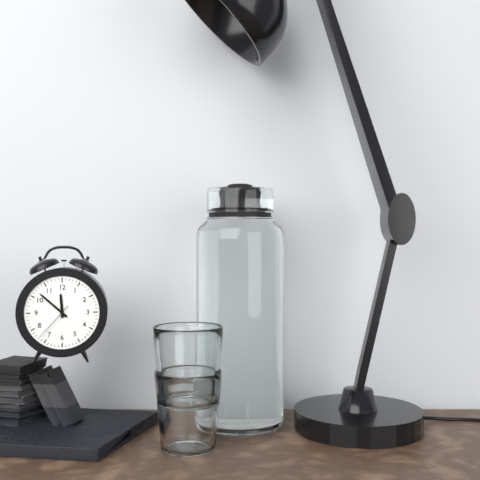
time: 11:52
